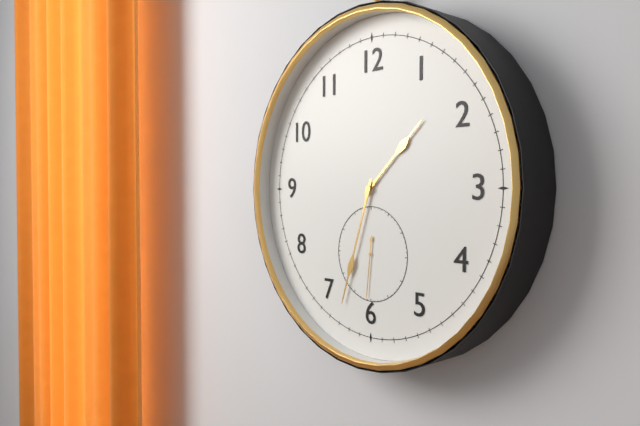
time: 1:33:31
